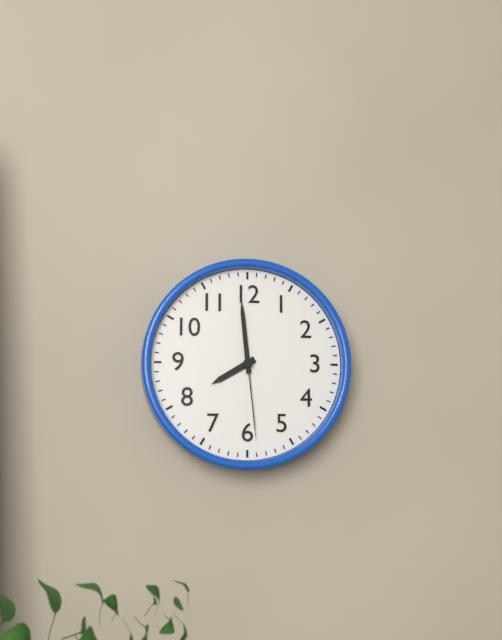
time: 7:59:29
